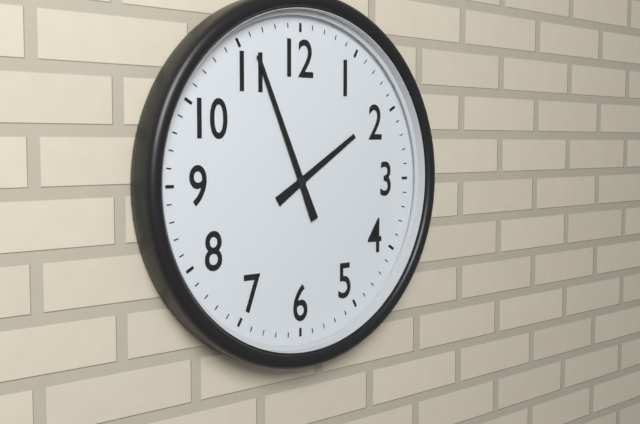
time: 1:56
